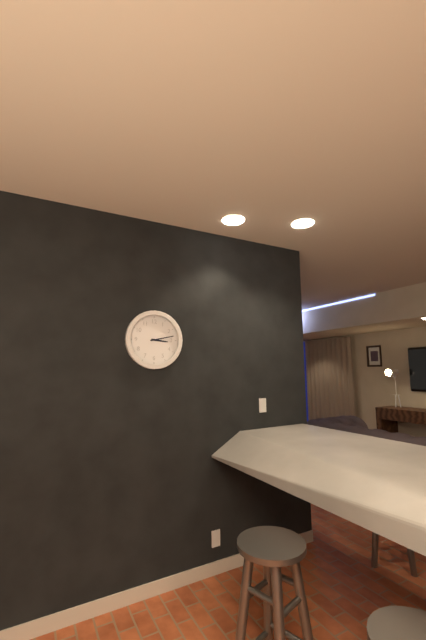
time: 3:13
